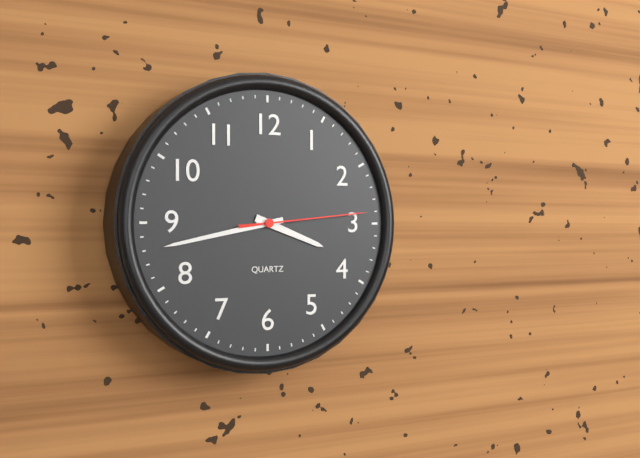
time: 3:43:14
